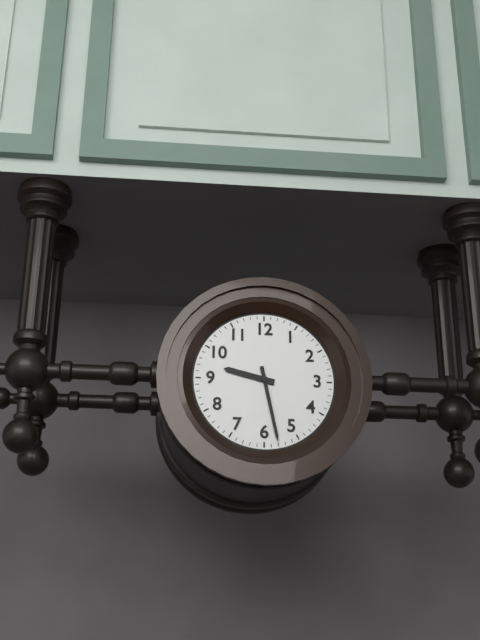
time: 9:28
